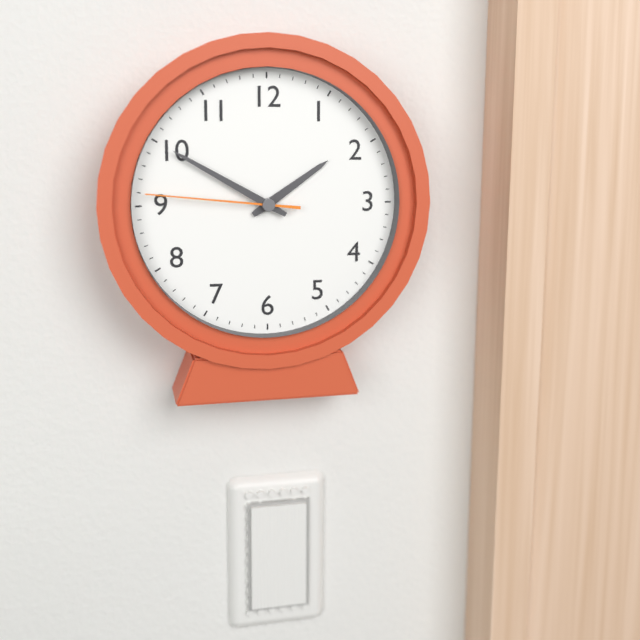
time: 1:50:46
